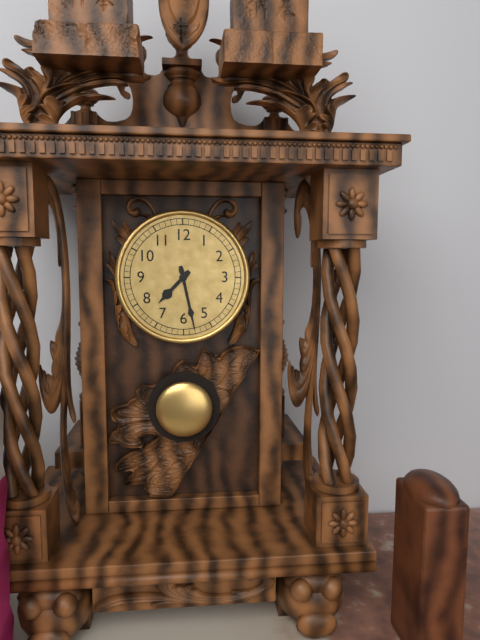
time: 7:28
